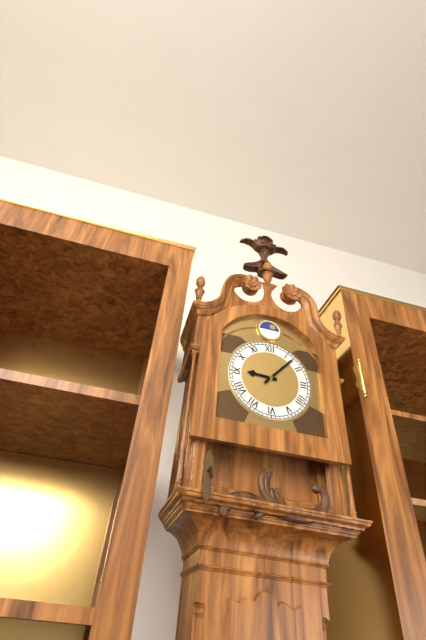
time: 9:07
